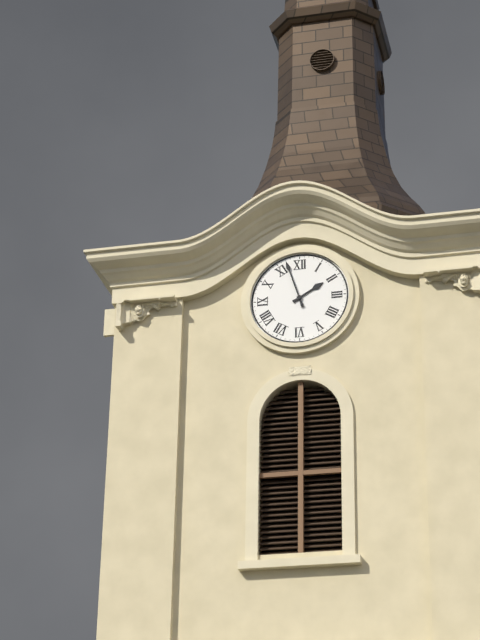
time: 1:57
